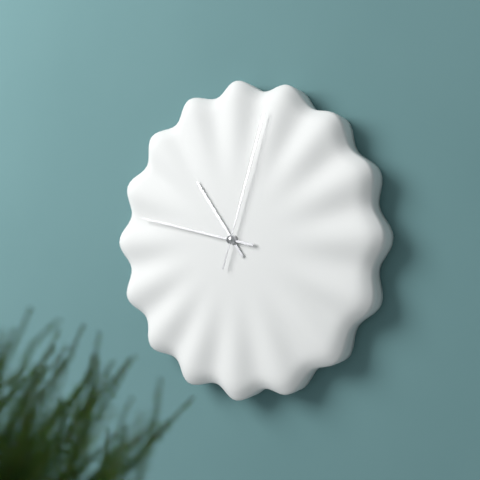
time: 10:47:03
